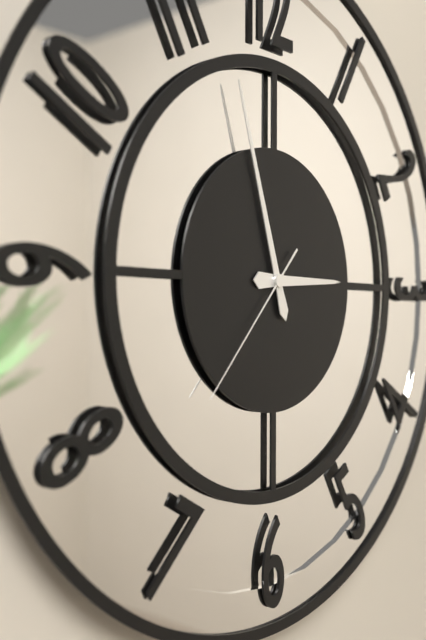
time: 2:57:37
